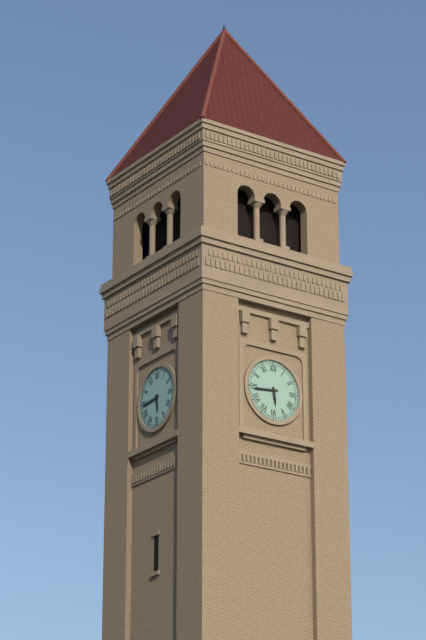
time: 5:44
